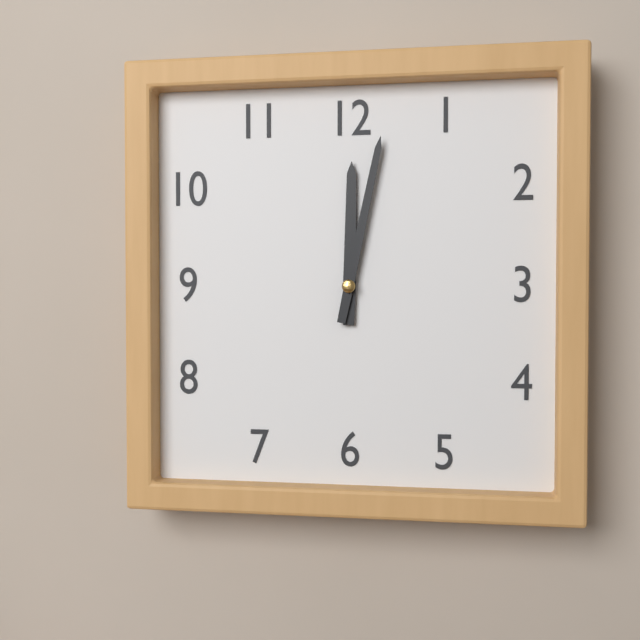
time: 12:02
